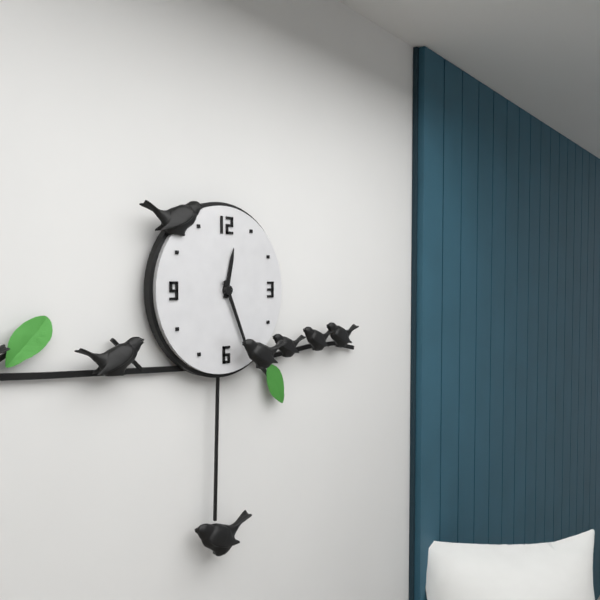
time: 12:26
